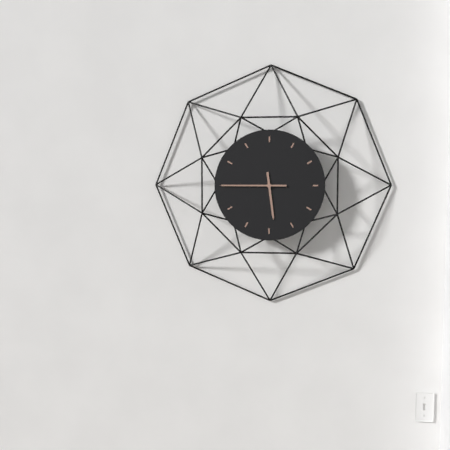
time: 5:45
